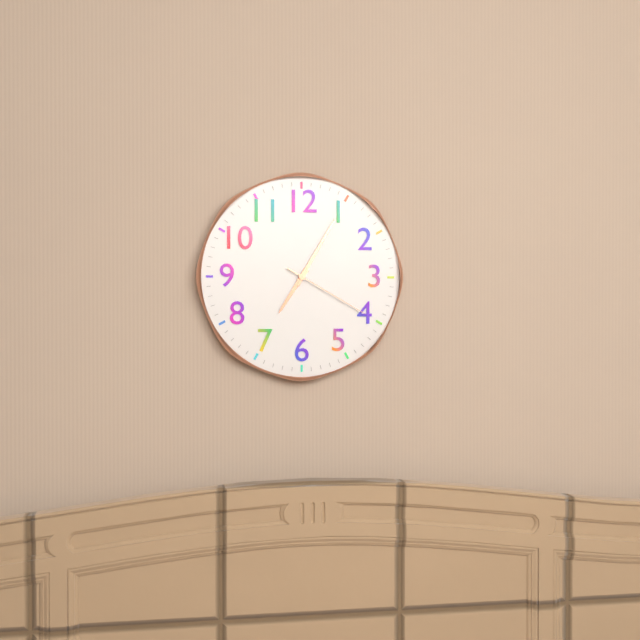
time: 7:05:20
